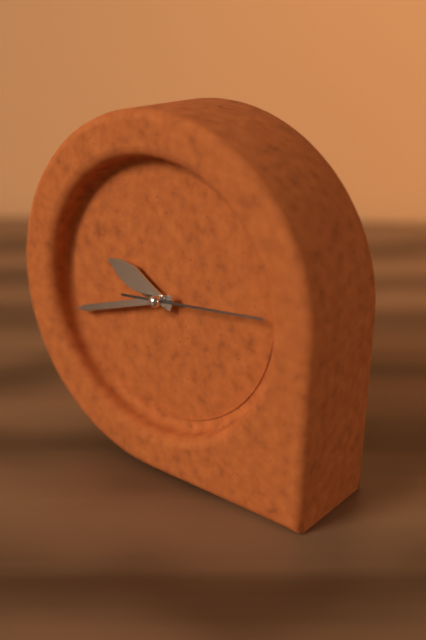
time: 9:42:14
